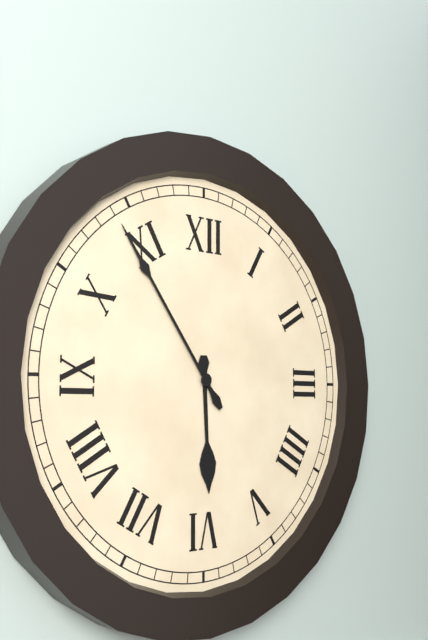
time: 5:54
